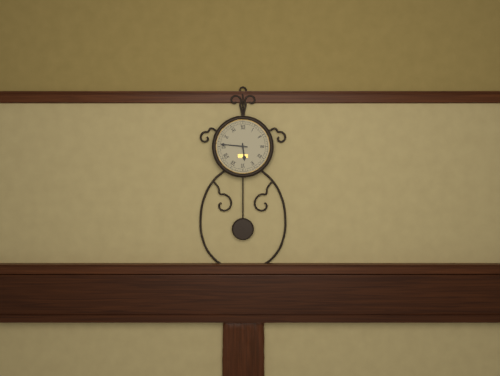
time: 5:46
